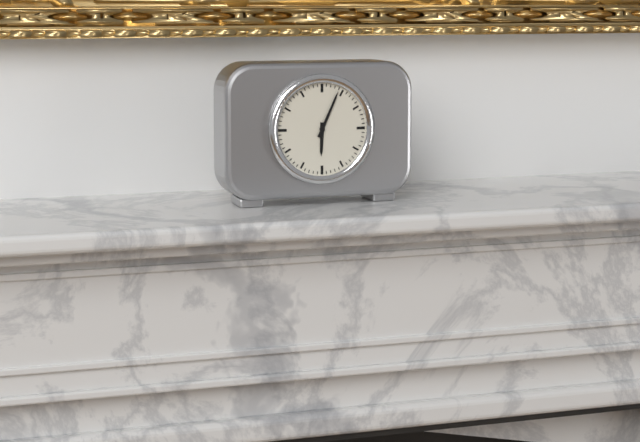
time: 6:04
